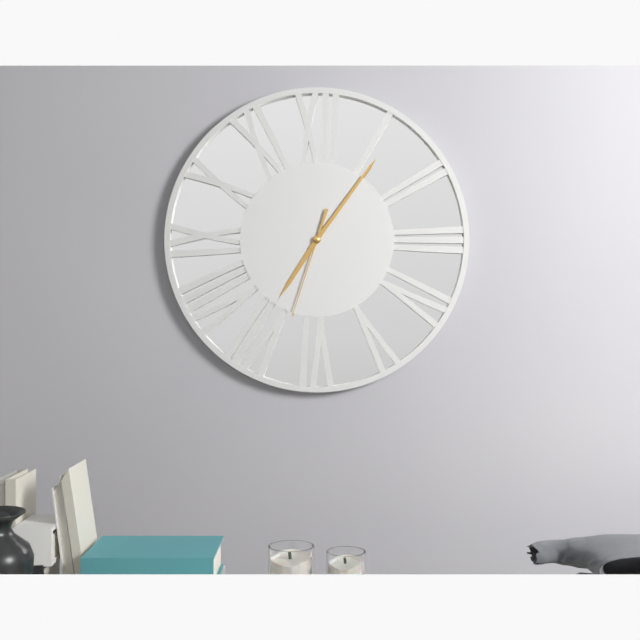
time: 7:06:33
